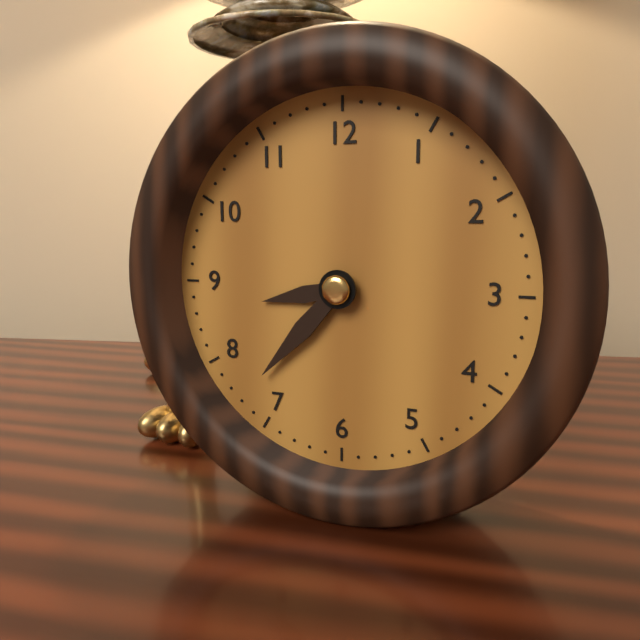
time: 8:37
